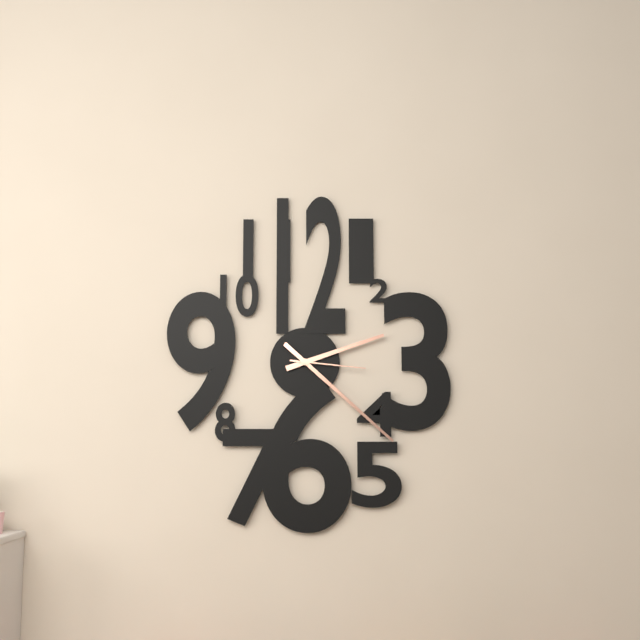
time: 2:22:16
